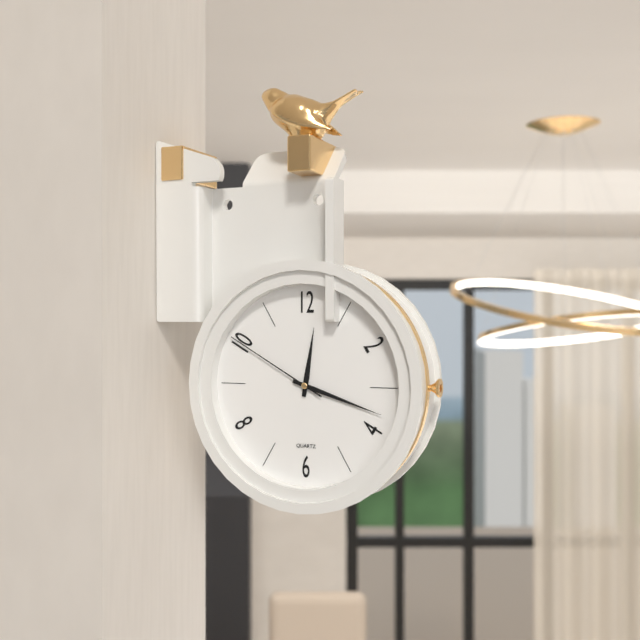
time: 12:18:50
